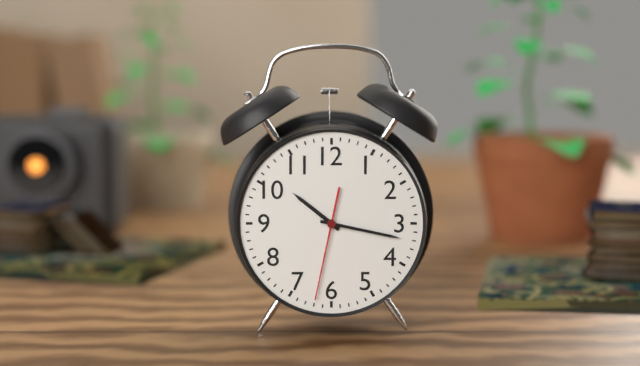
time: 10:17:32
